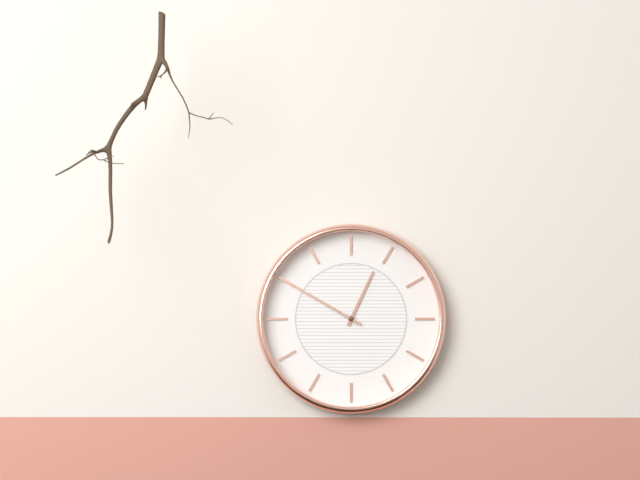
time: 12:50
